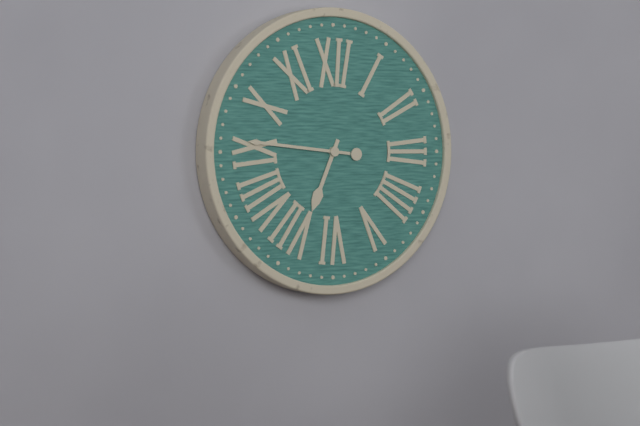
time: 6:46
